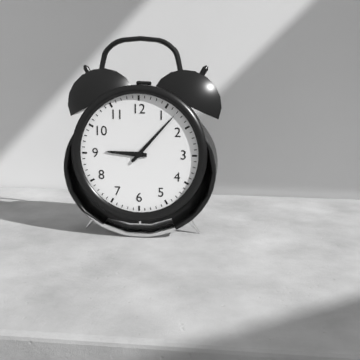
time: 9:07
